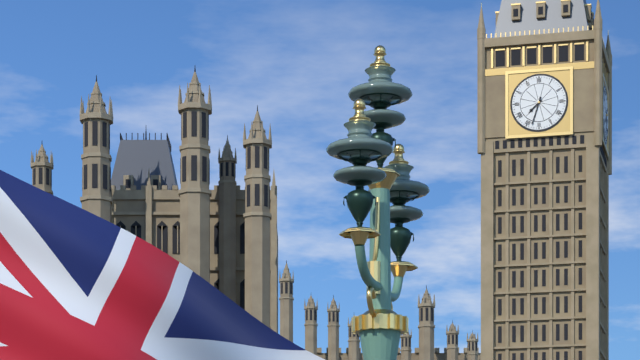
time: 7:33
